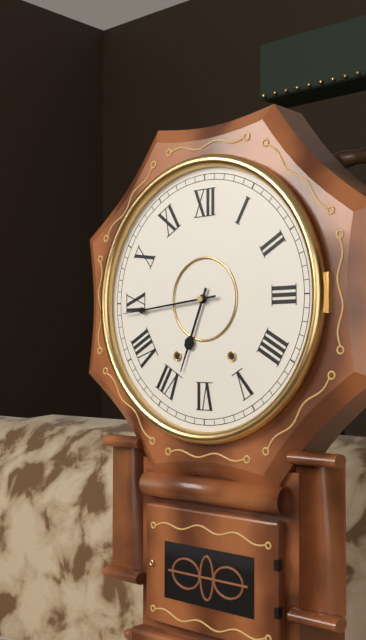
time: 6:44
